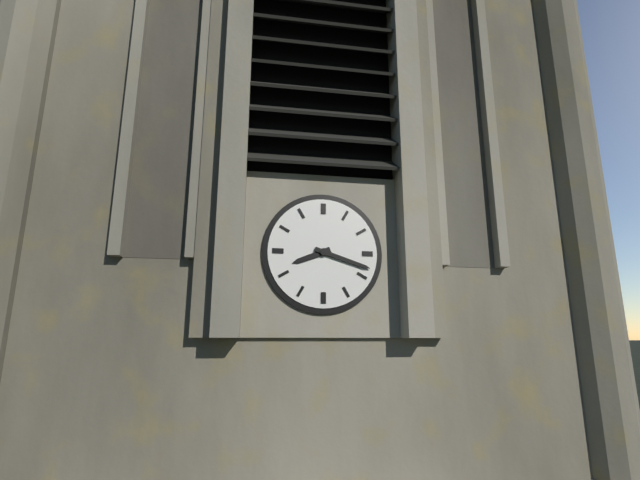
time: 8:18
